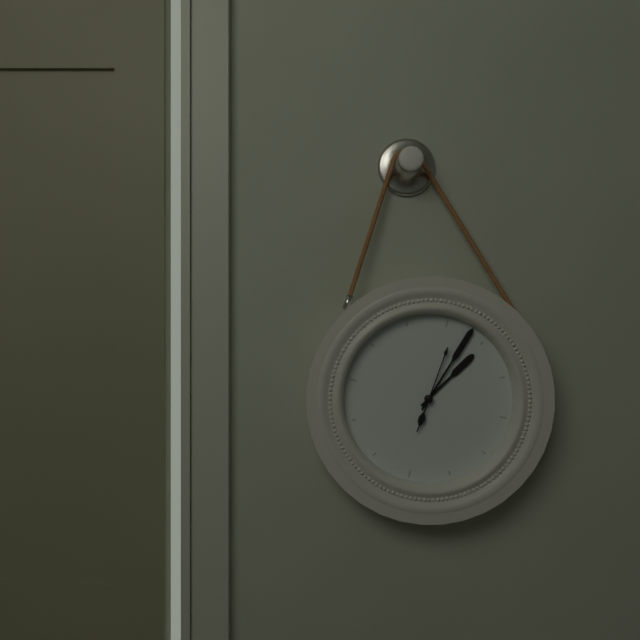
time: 1:03:01
